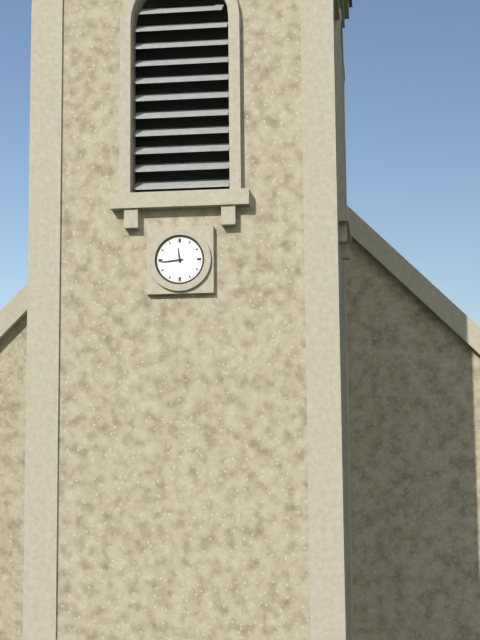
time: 11:44
